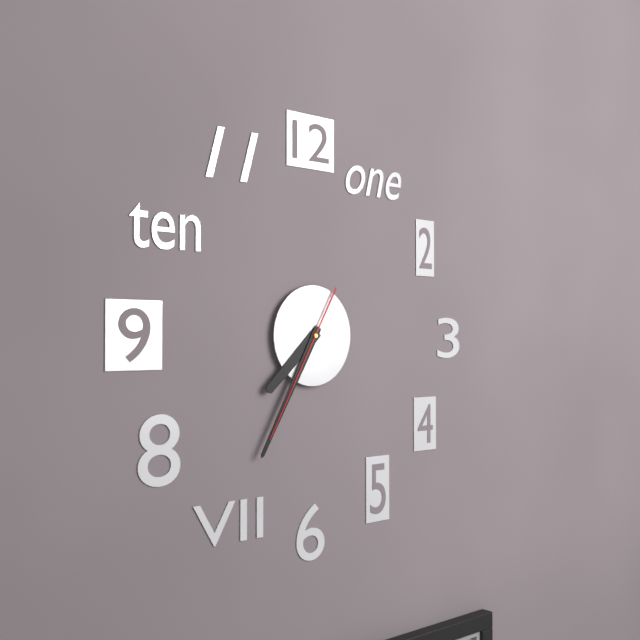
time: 7:35:35
